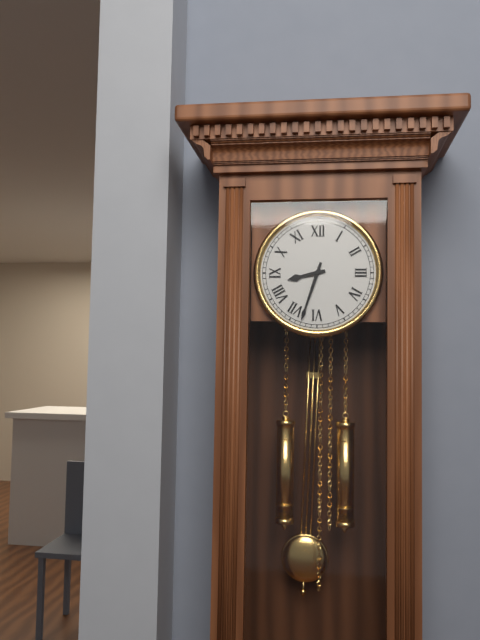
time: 8:33
